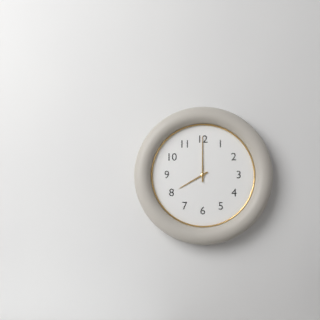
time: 8:00
